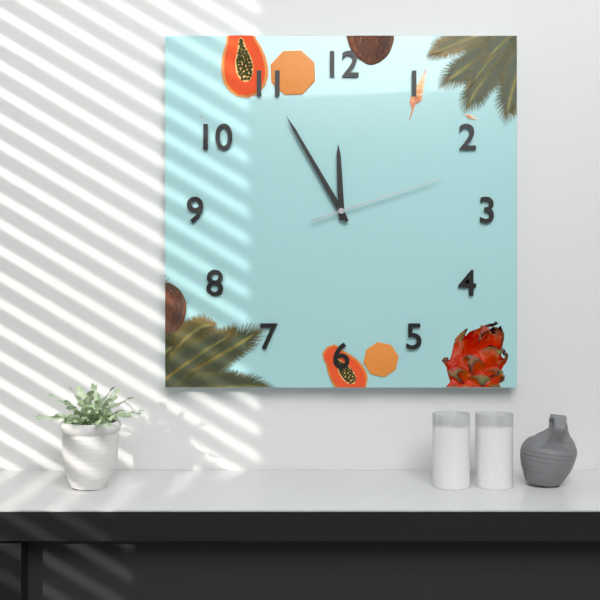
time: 11:55:12
